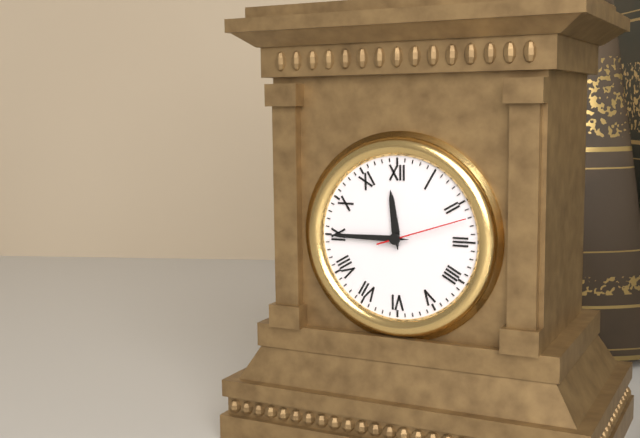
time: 11:45:12
